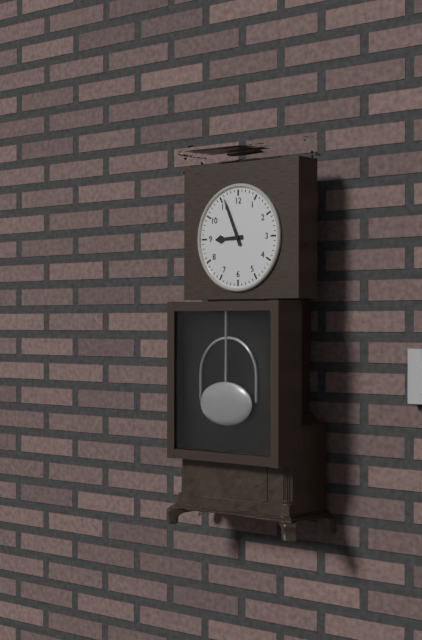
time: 8:56
